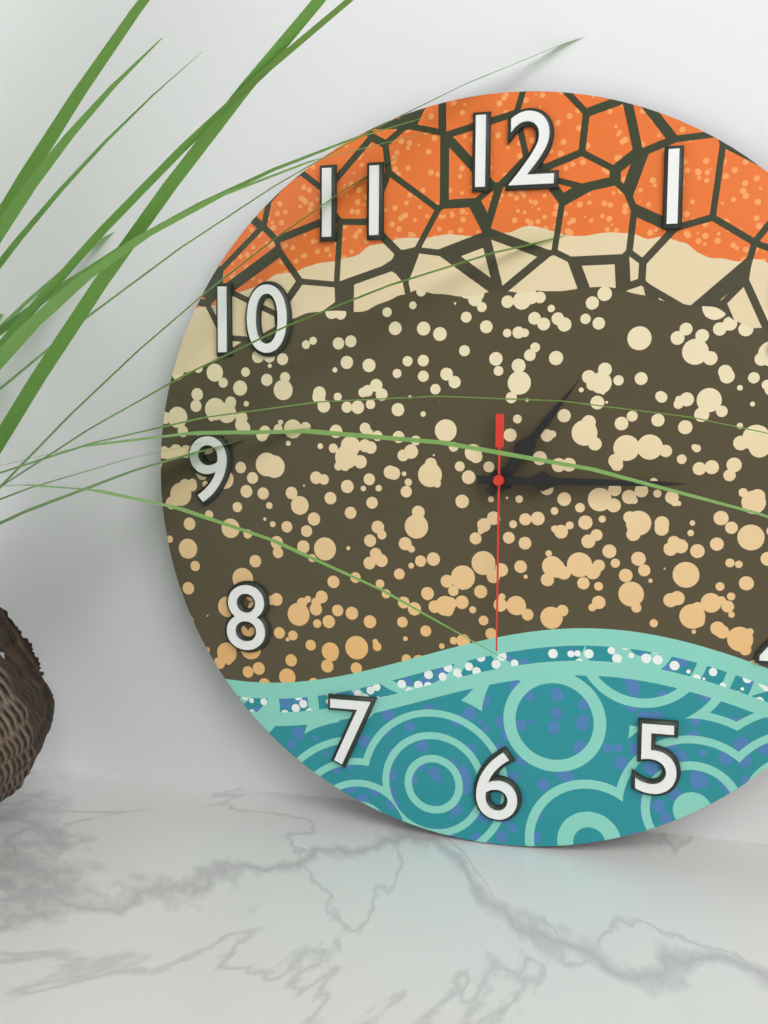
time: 1:15:30
